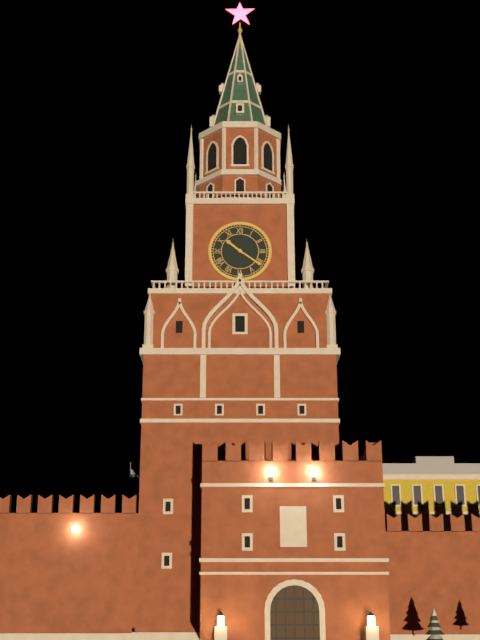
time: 10:21
